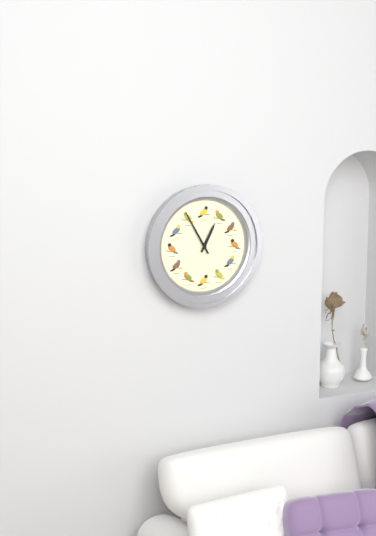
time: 12:55
